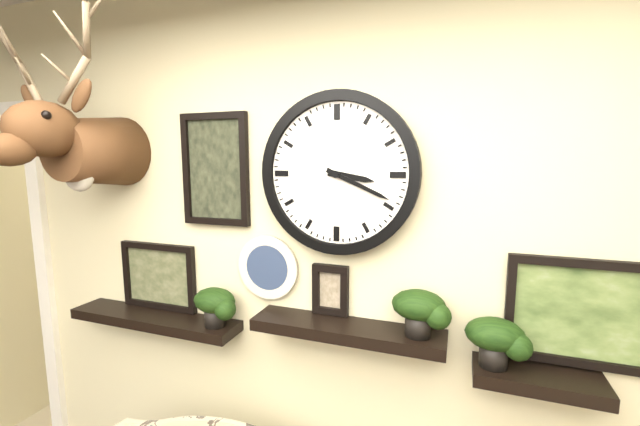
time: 3:19
